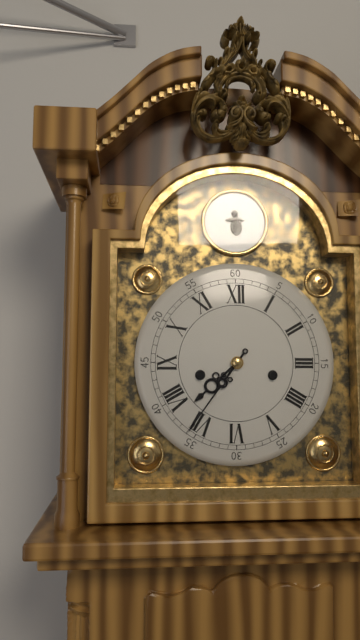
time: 7:36
